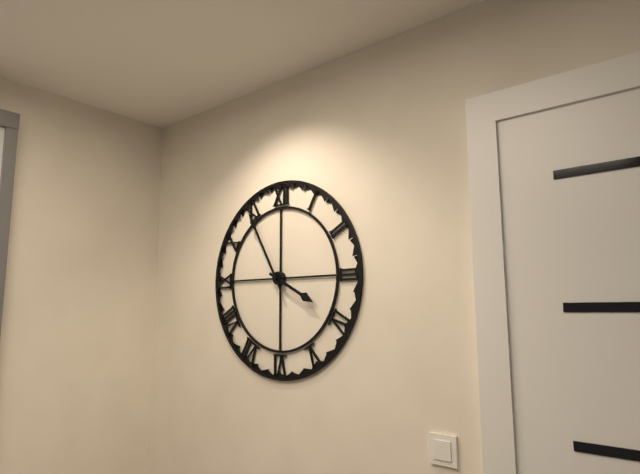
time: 3:55
